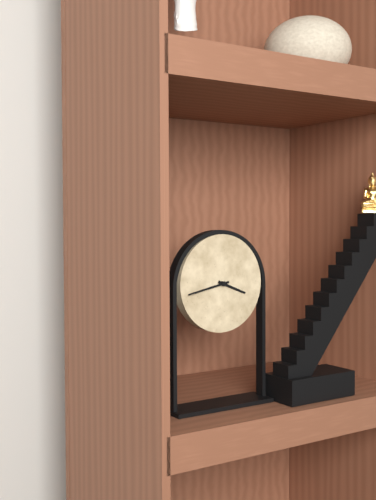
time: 3:43
